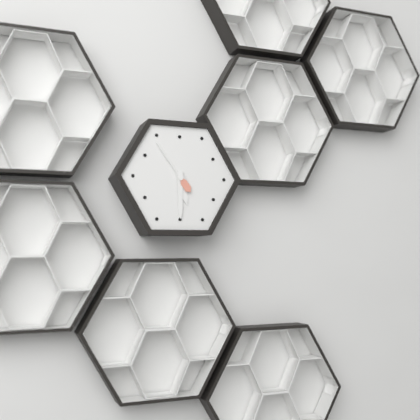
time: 5:30:54
